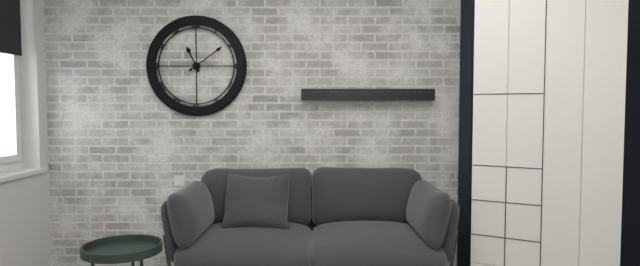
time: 11:09
